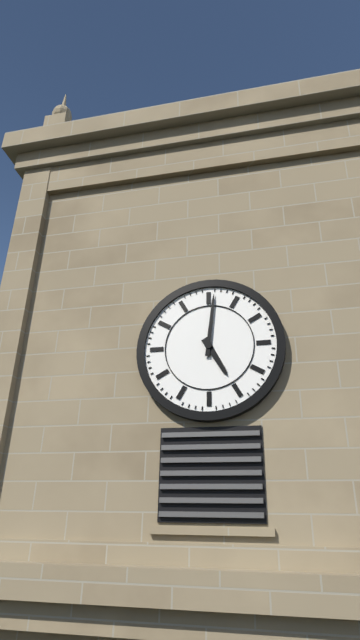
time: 5:01
